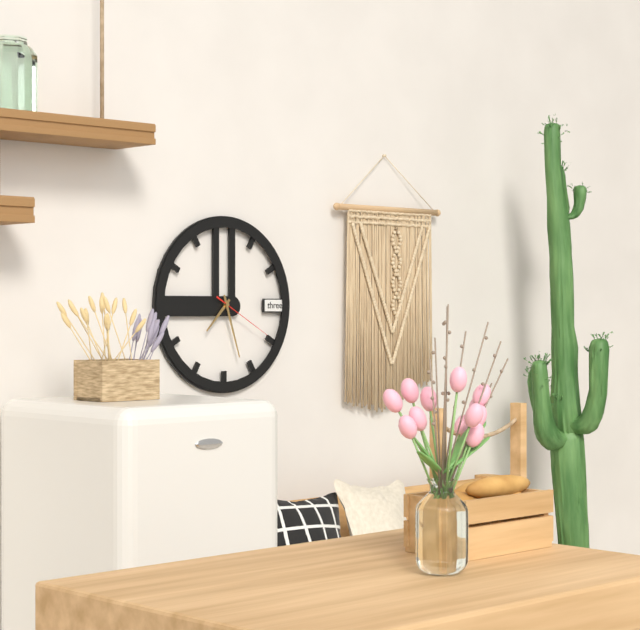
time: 7:27:20
